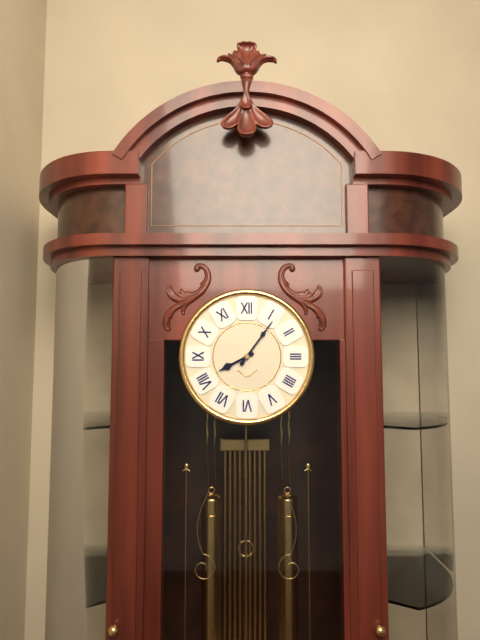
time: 8:06
